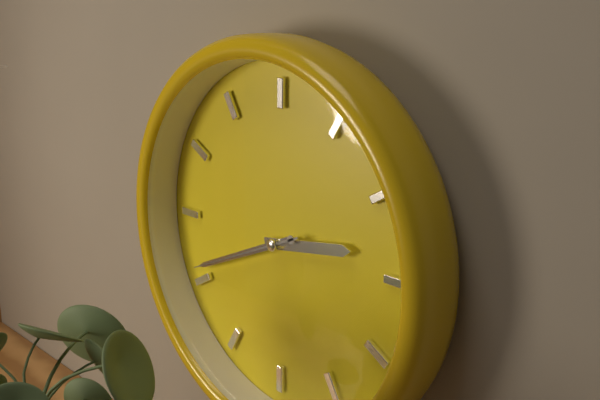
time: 2:41:41
